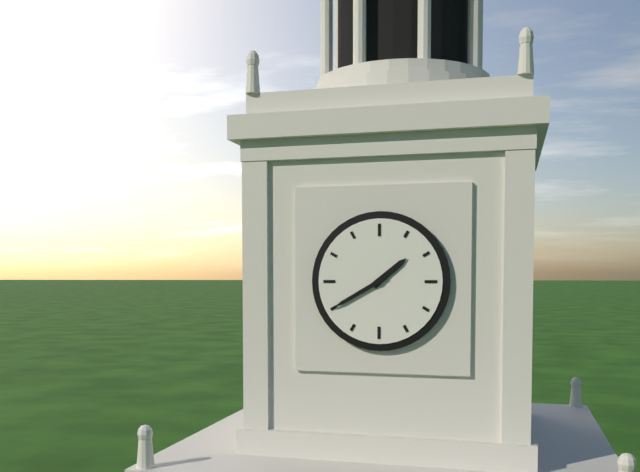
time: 1:40
